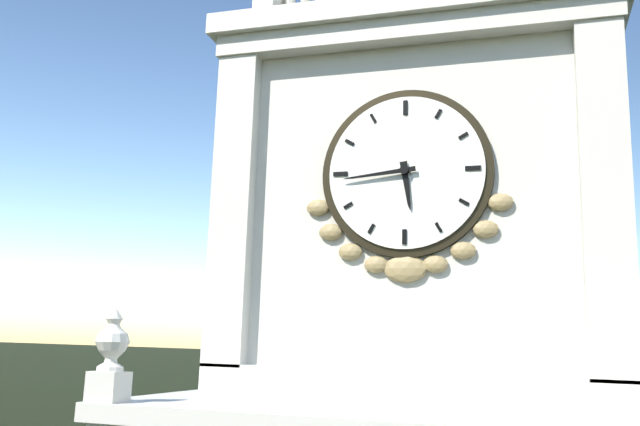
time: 5:44
